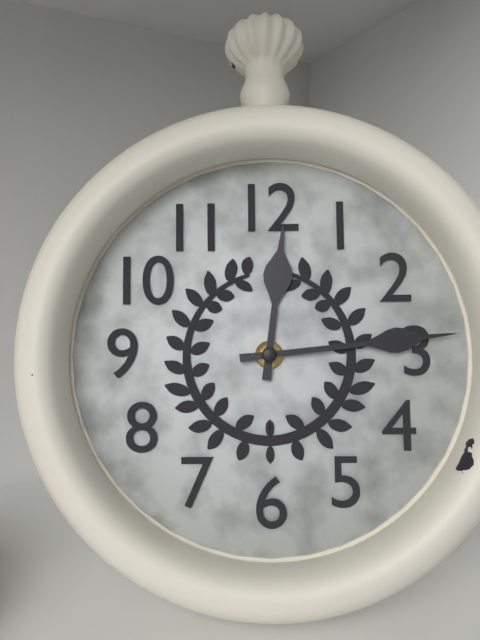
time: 12:14
